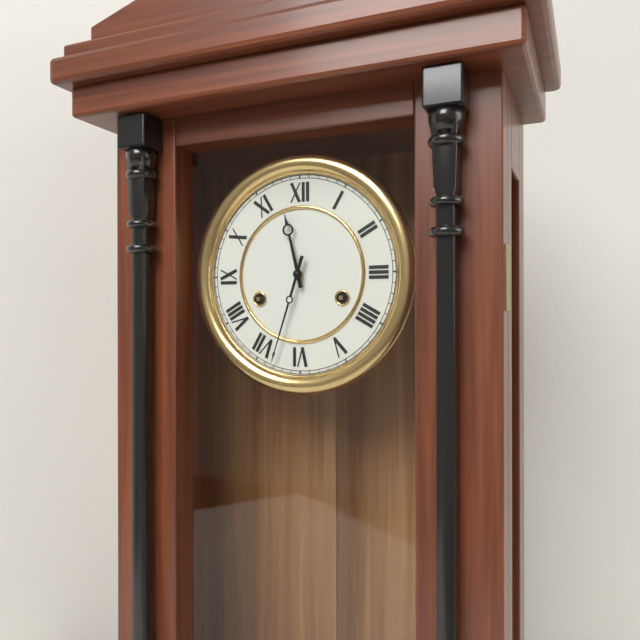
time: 11:33
